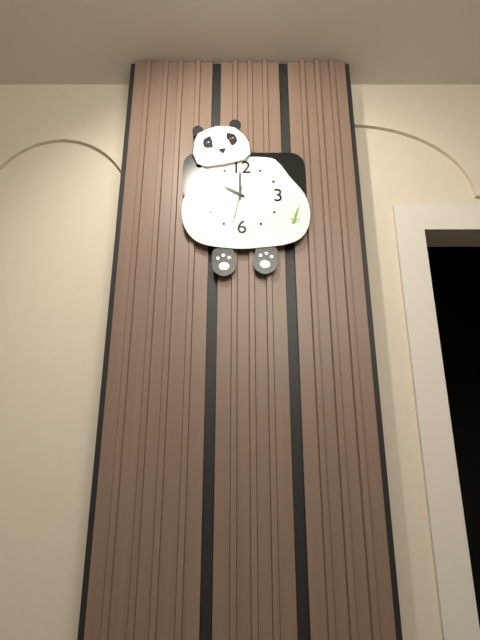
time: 10:00
